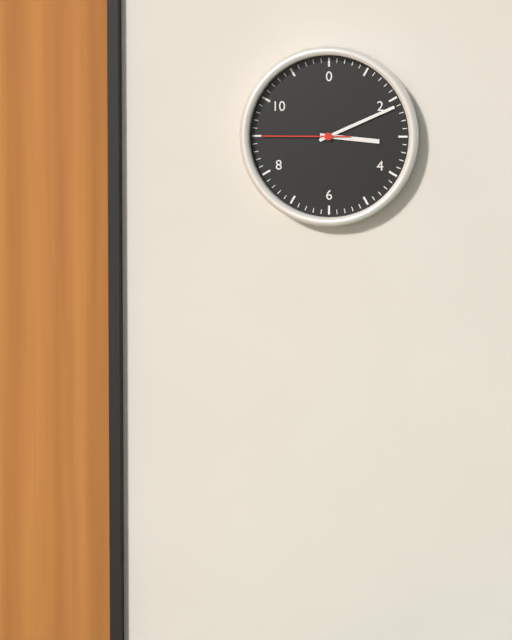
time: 3:11:45
